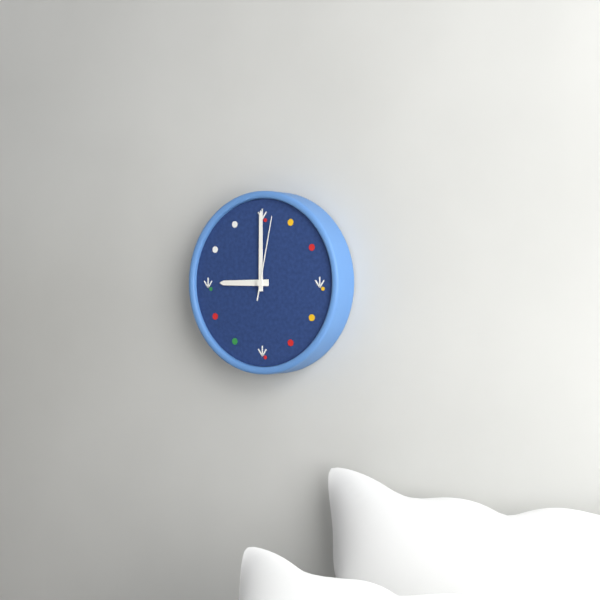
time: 9:00:02
